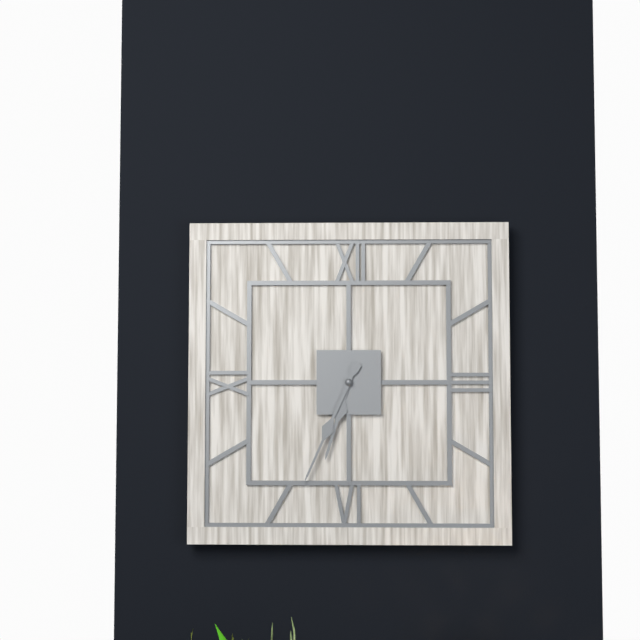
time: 6:34
